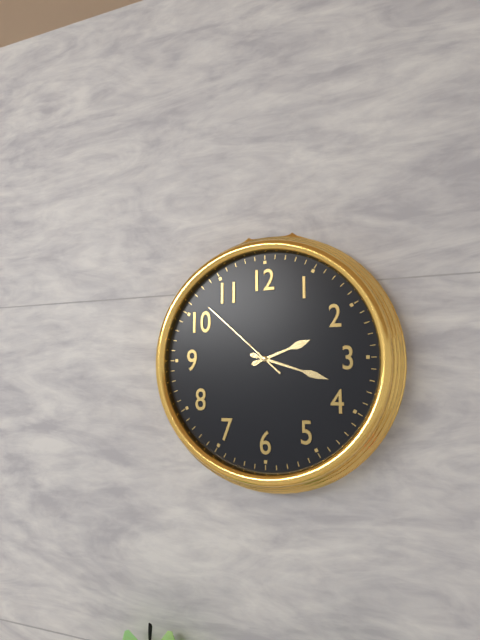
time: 2:18:52
